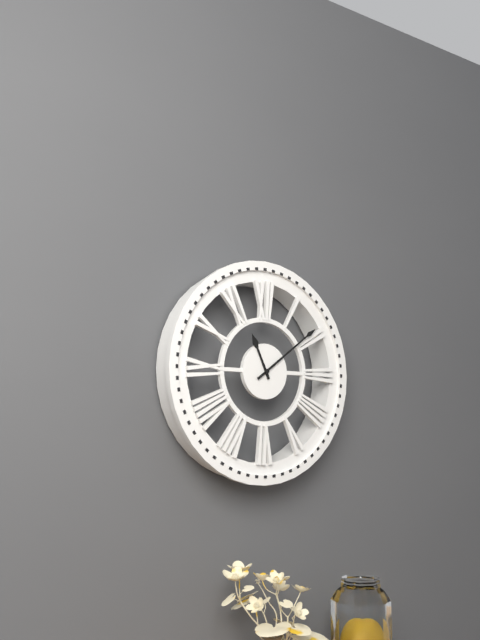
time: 11:09
